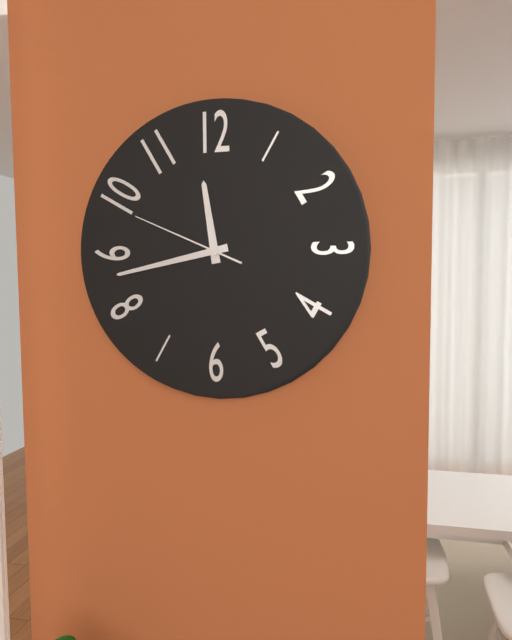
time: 11:43:49
